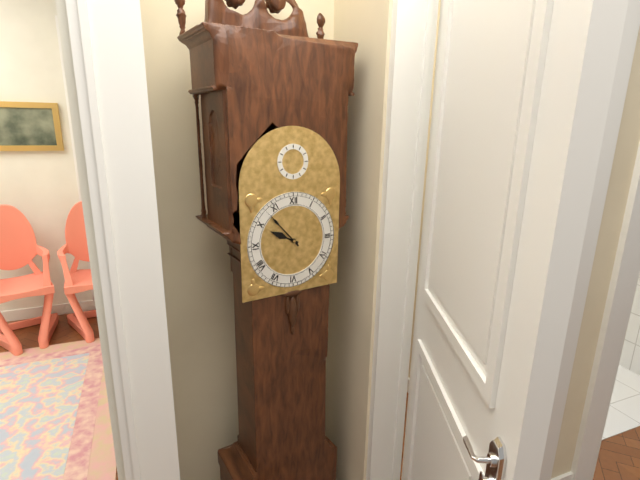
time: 9:53
